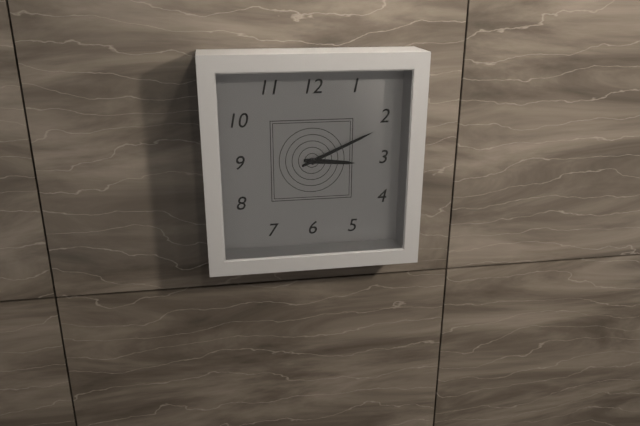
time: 3:11
